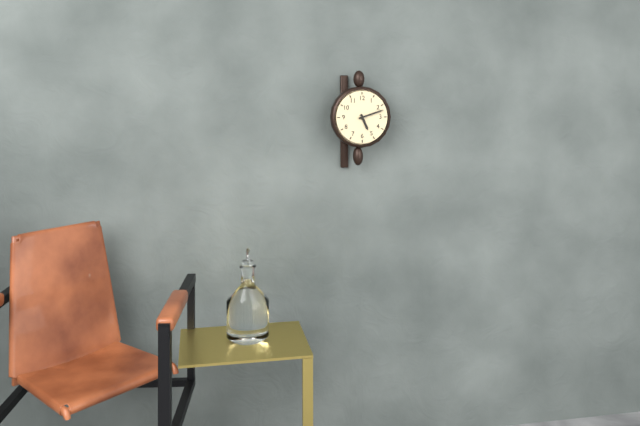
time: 5:12
